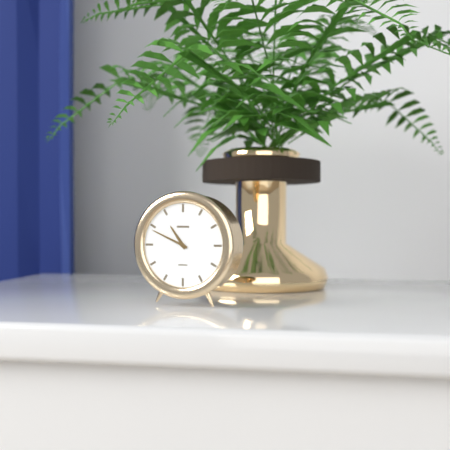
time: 10:49
